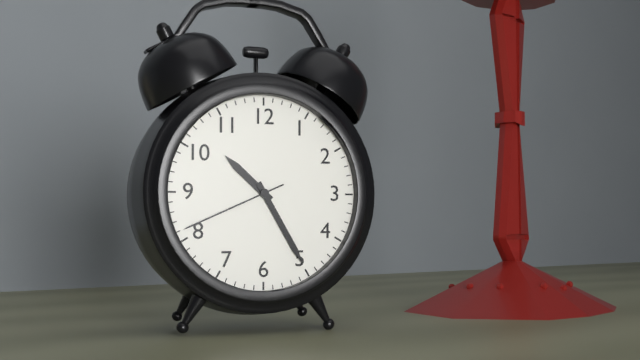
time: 10:25:41
